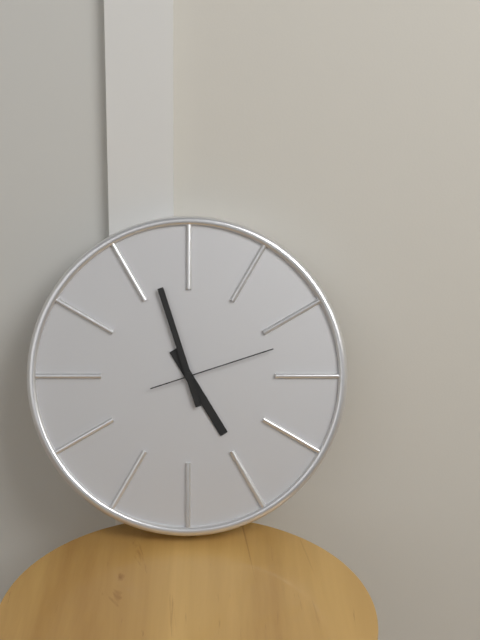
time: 4:57:12
